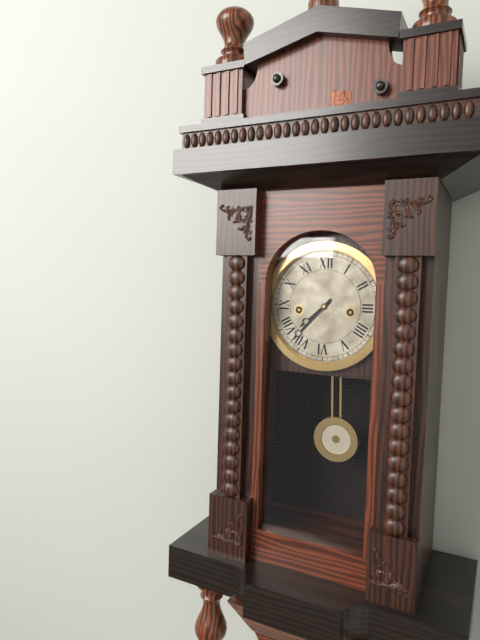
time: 7:37
